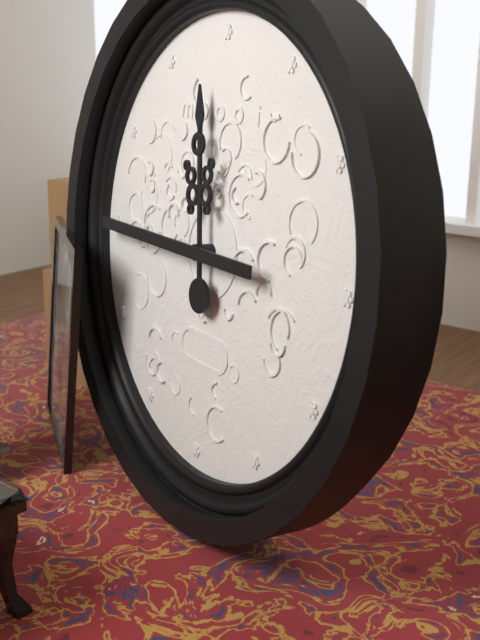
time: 11:45
